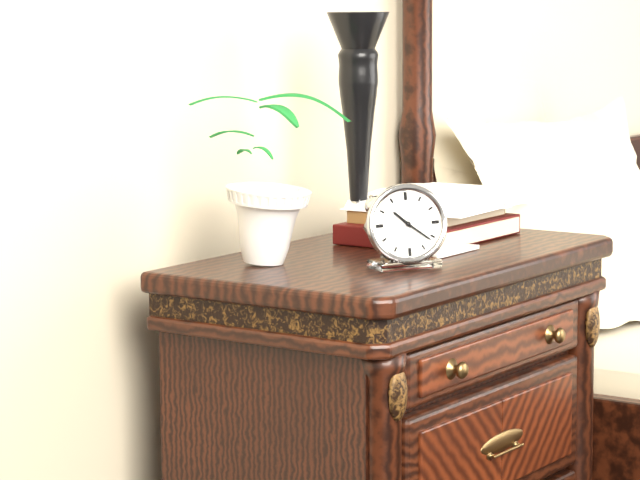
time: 10:21
